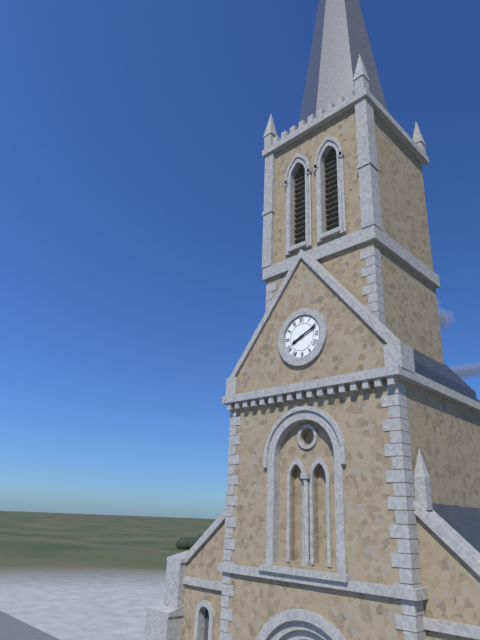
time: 8:11
